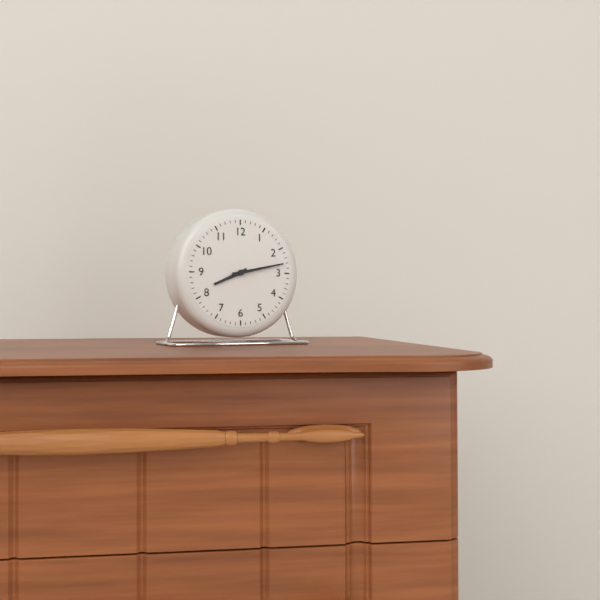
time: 8:13
